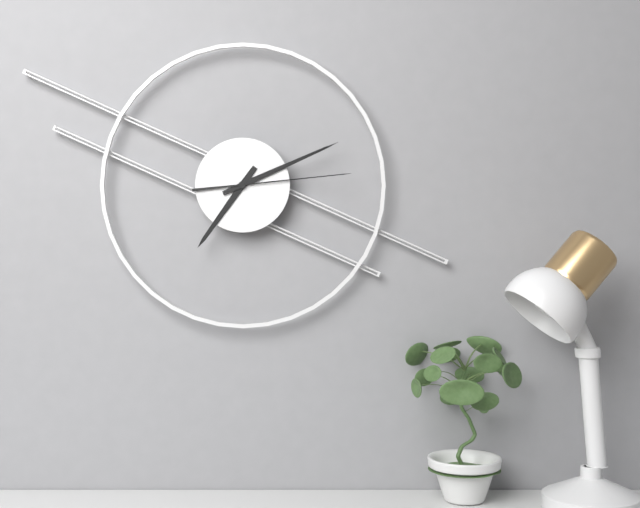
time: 7:11:14
